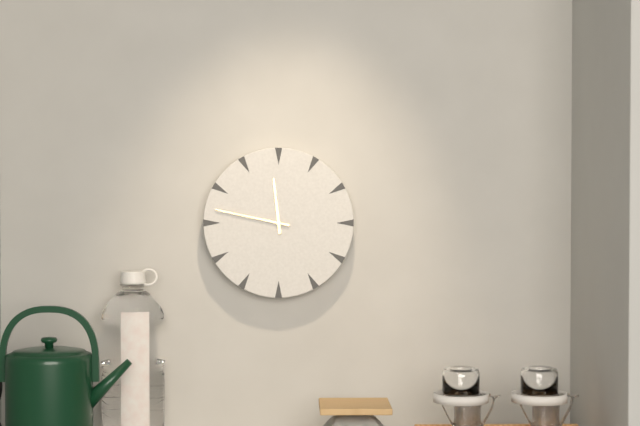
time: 11:47
